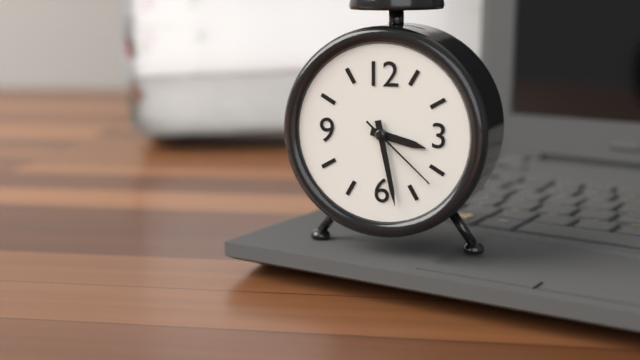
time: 3:28:22
